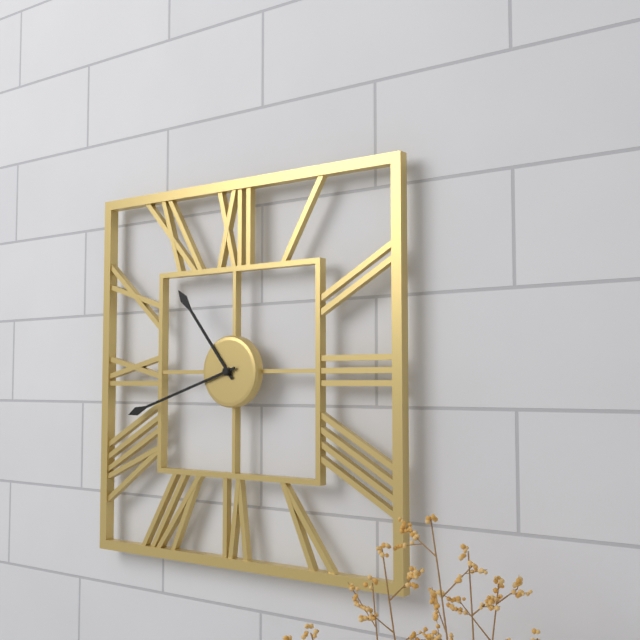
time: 10:42
